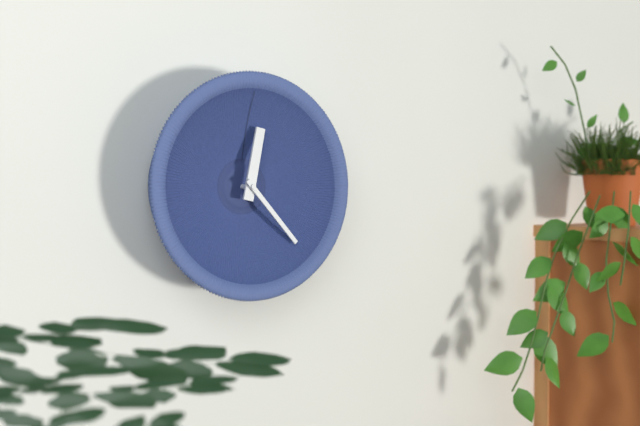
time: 12:23
